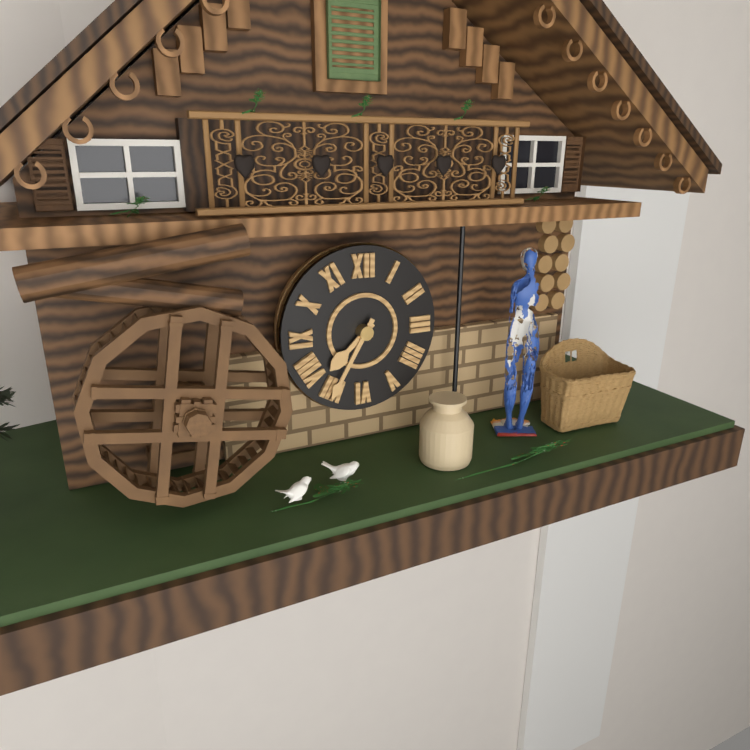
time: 7:35
